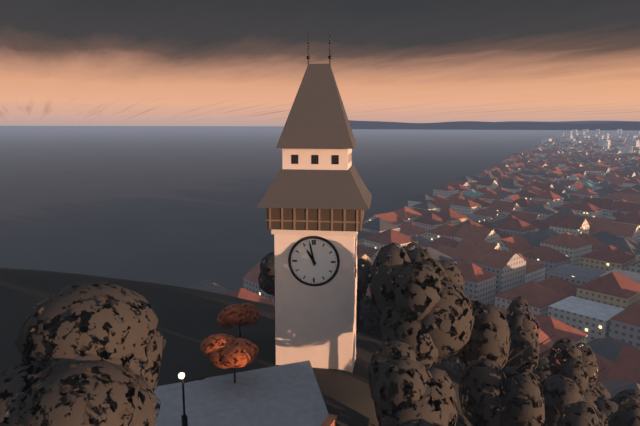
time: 10:58
